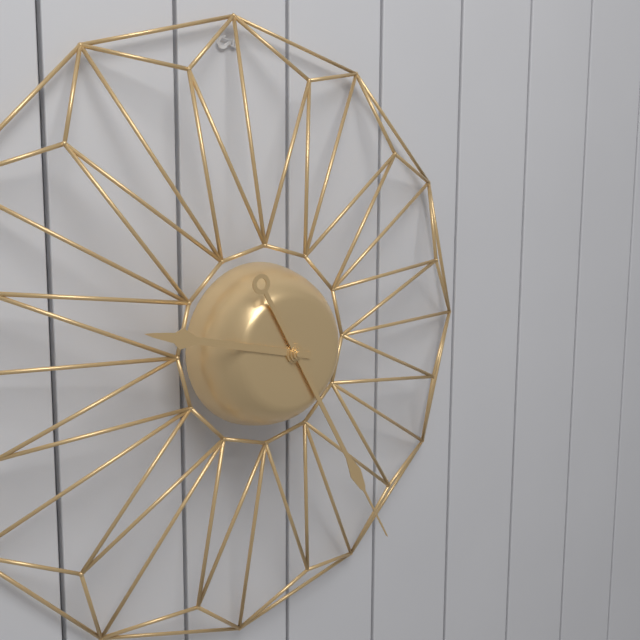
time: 9:25
